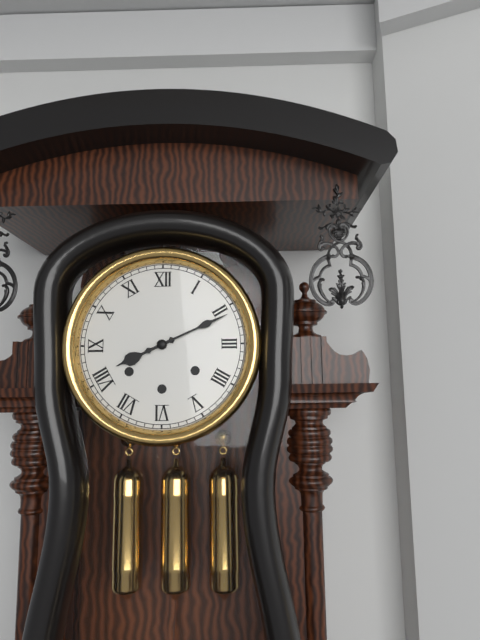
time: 8:11
